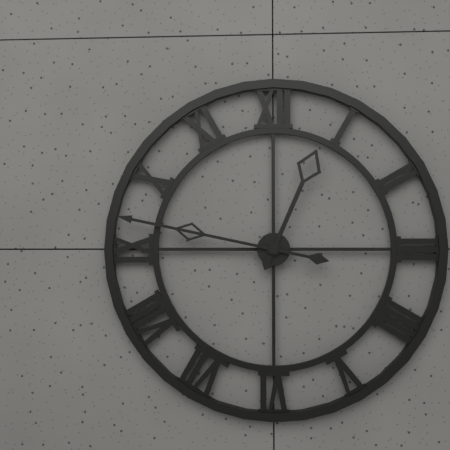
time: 12:47
